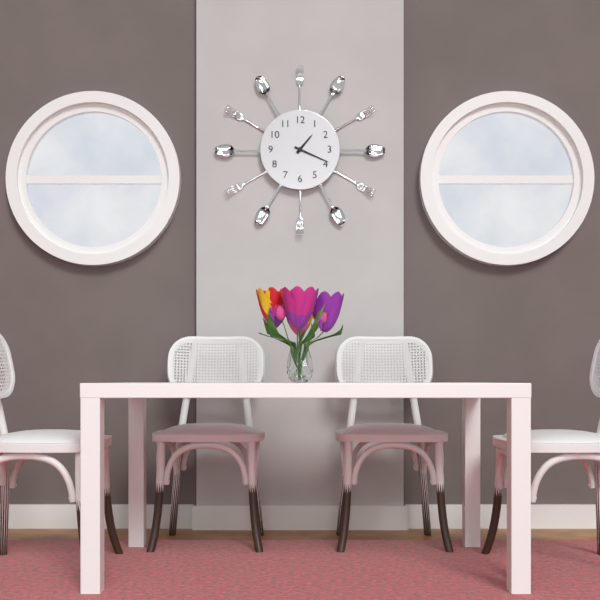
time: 1:19
